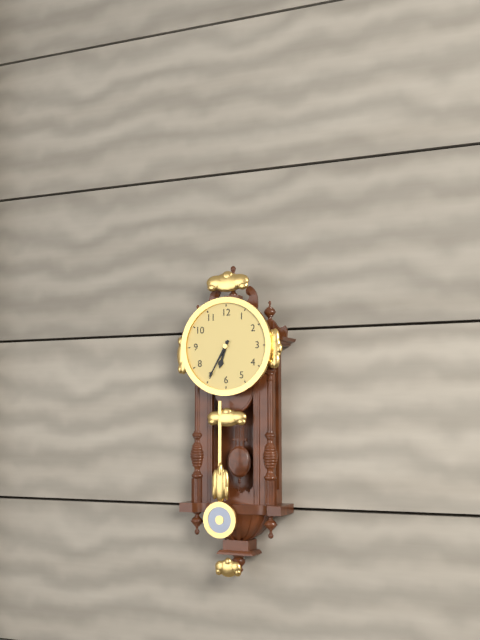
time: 6:35
